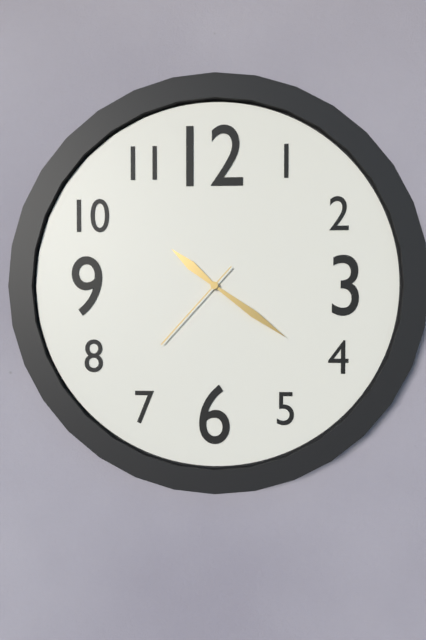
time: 10:21:37
